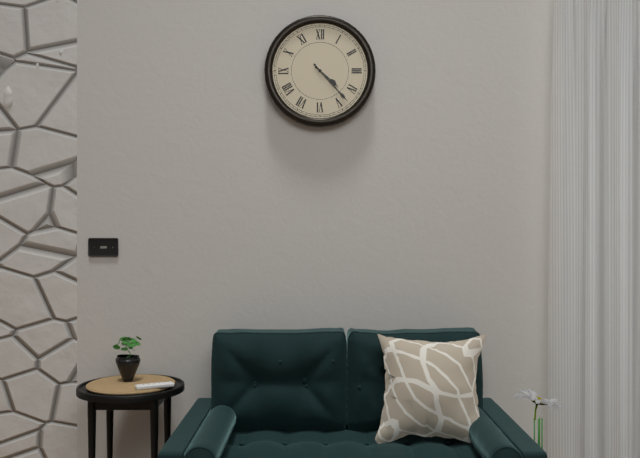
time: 4:23
